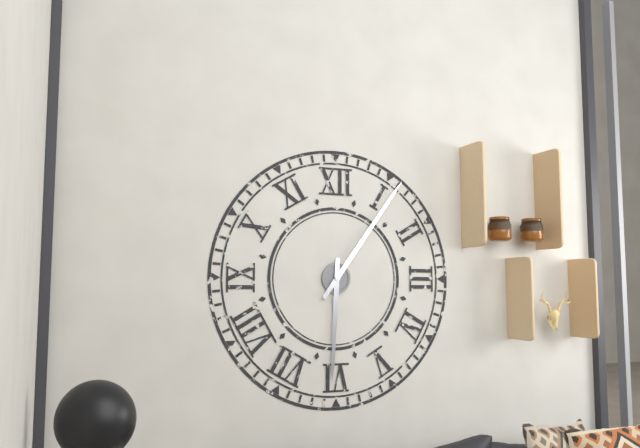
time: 6:06
